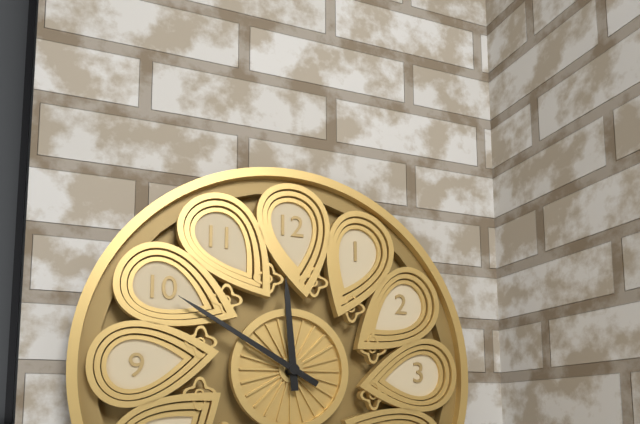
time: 11:50
